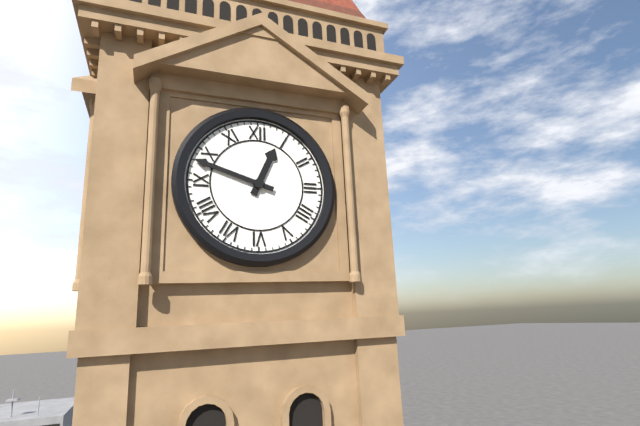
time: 12:48
